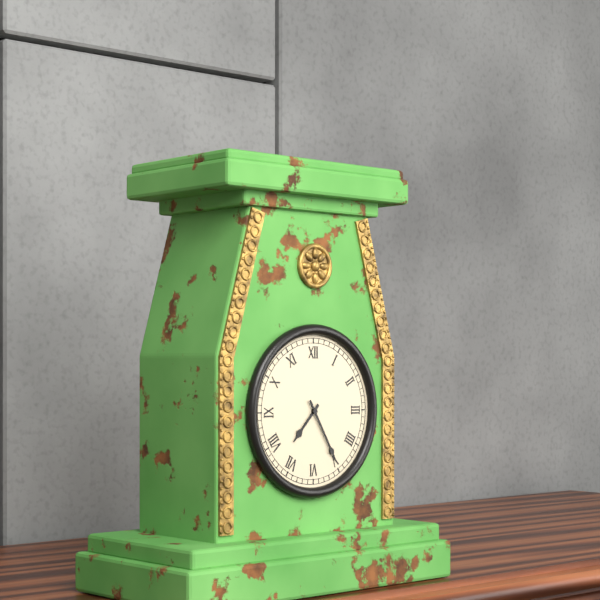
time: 7:25
